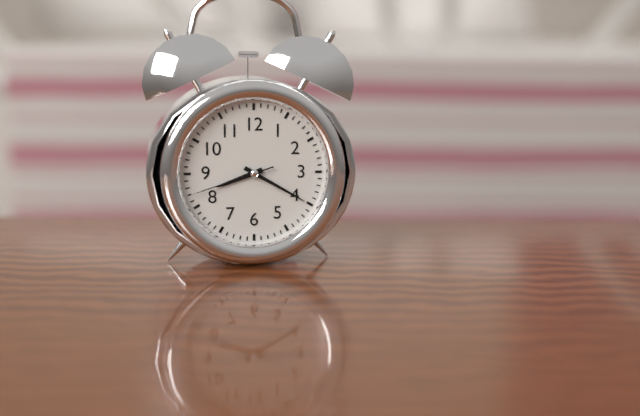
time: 8:20:42
